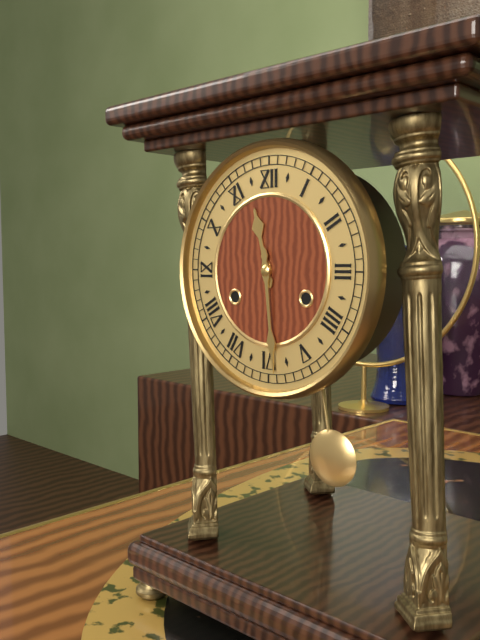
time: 11:29
